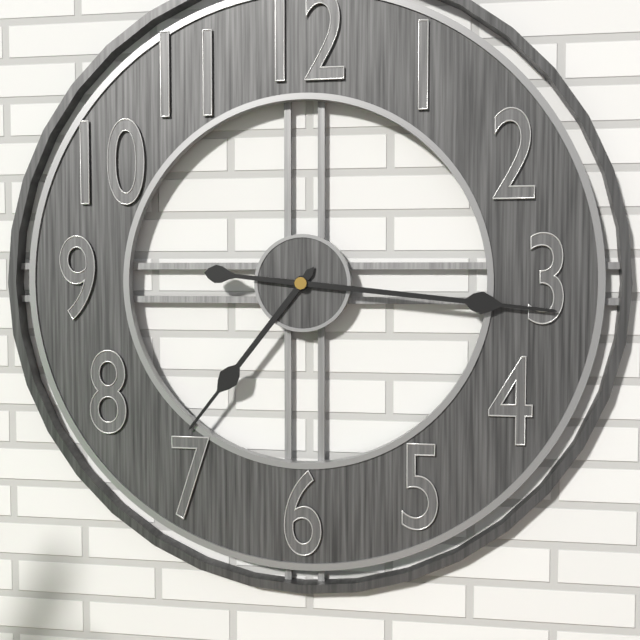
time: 7:16
